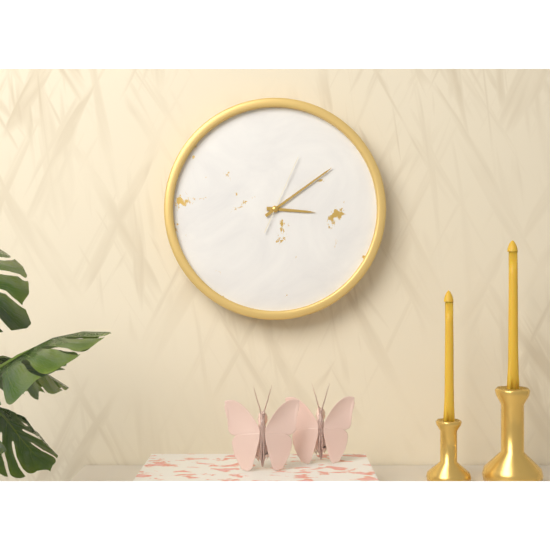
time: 3:09:04
